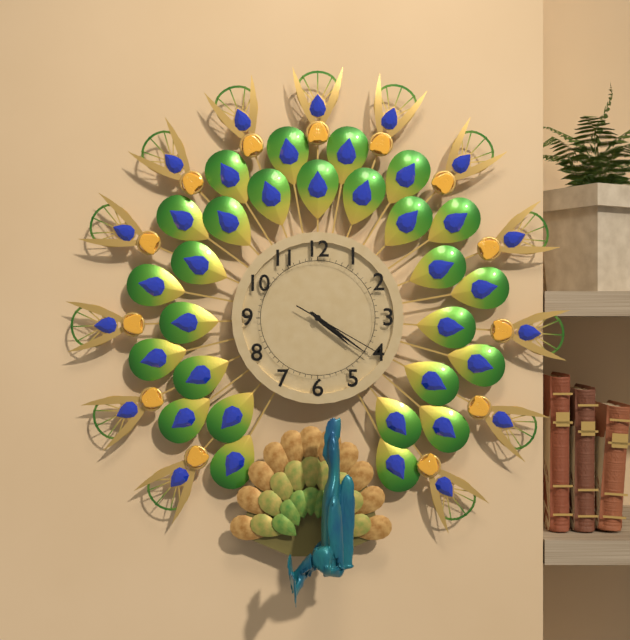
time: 4:21:20
